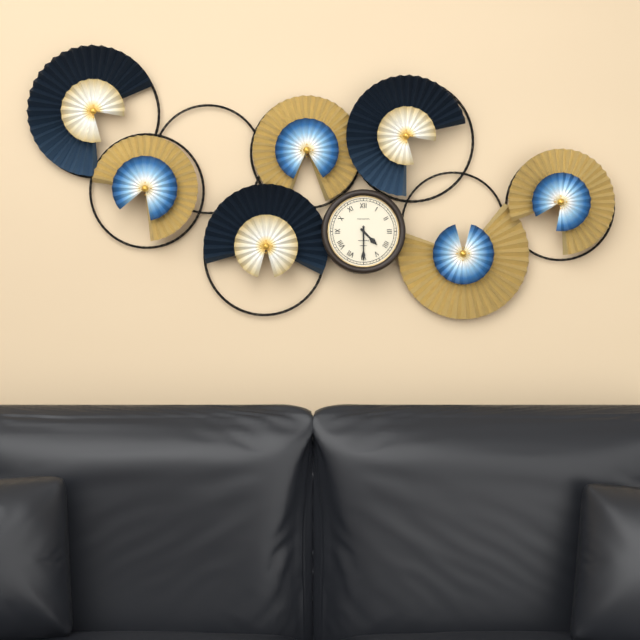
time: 4:30
